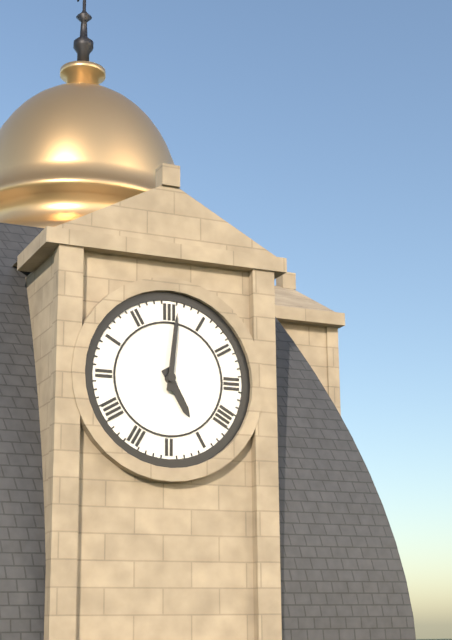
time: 5:01
